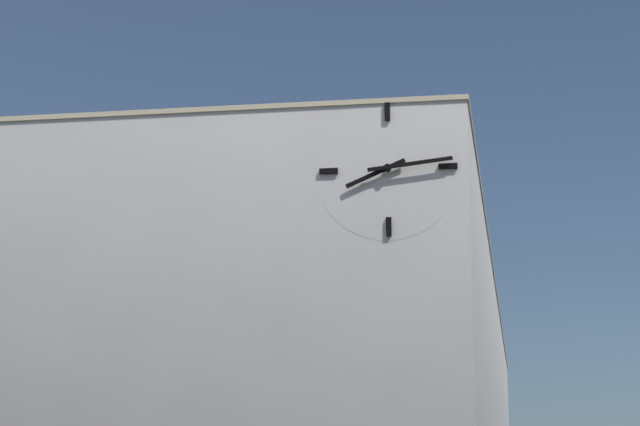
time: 8:14
